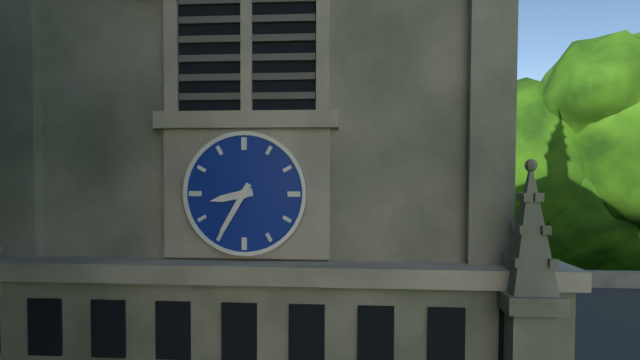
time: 8:35
